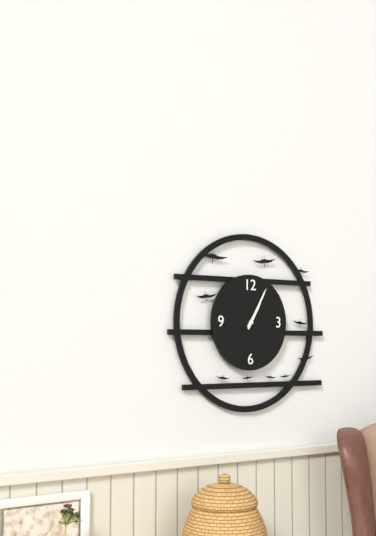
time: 1:05
